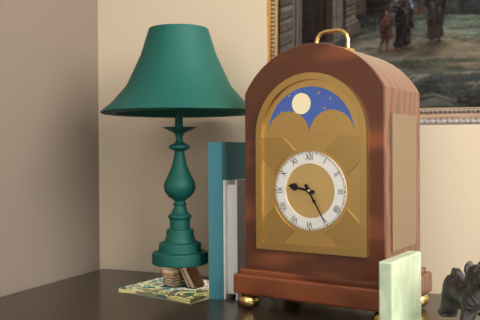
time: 9:25
